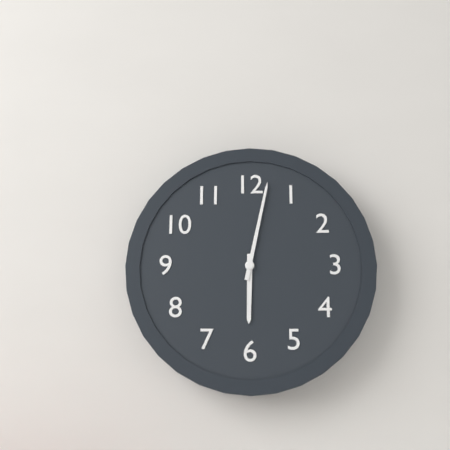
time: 6:02
